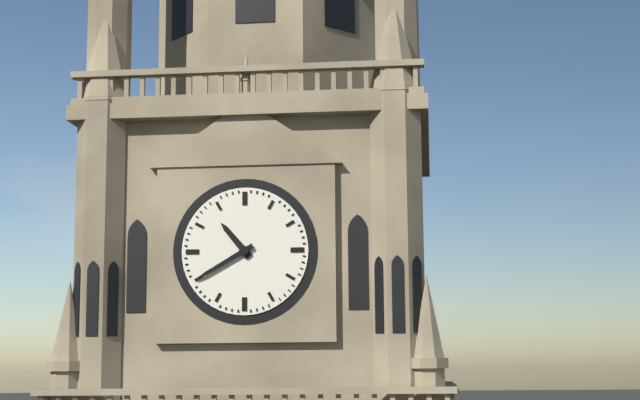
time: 10:40
